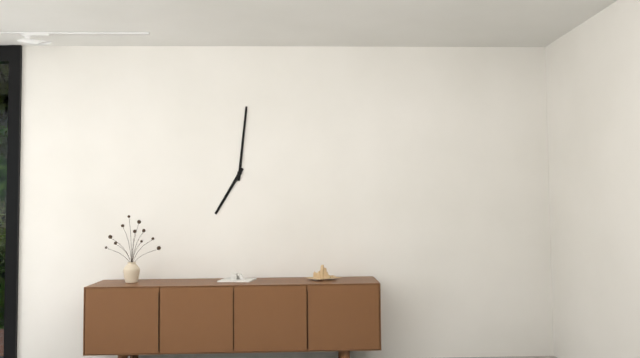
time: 7:01
